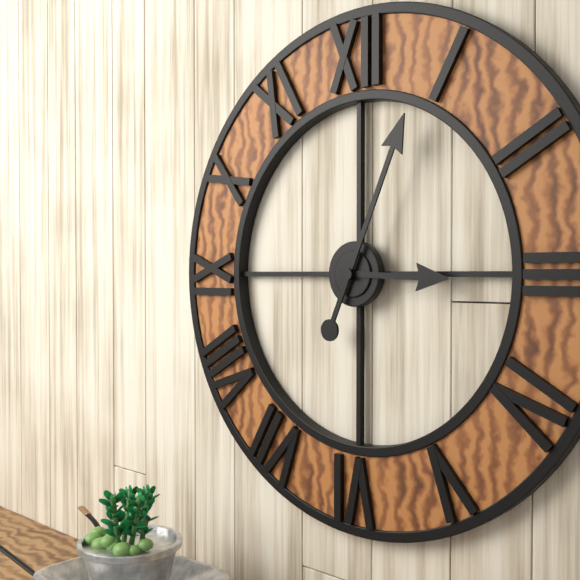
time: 3:04
